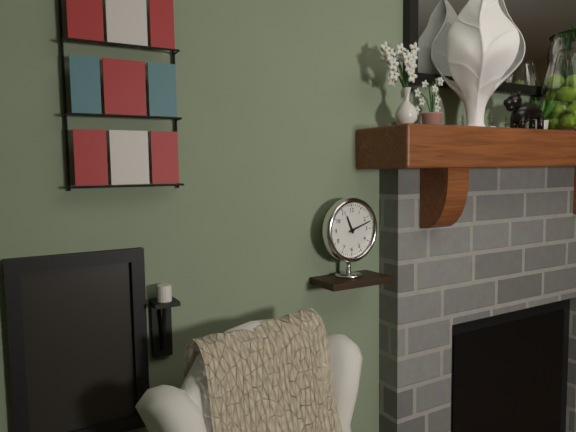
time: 11:12
